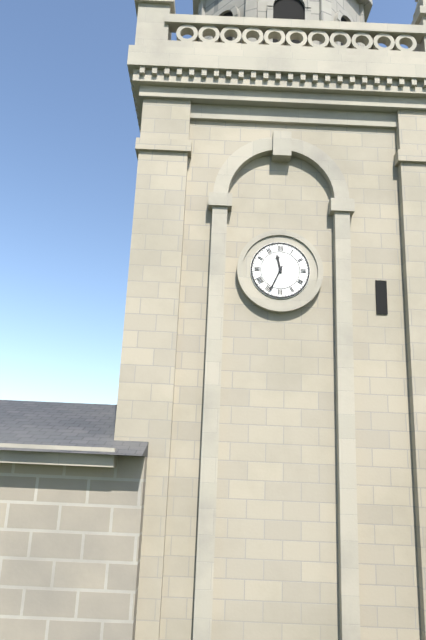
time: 11:34
